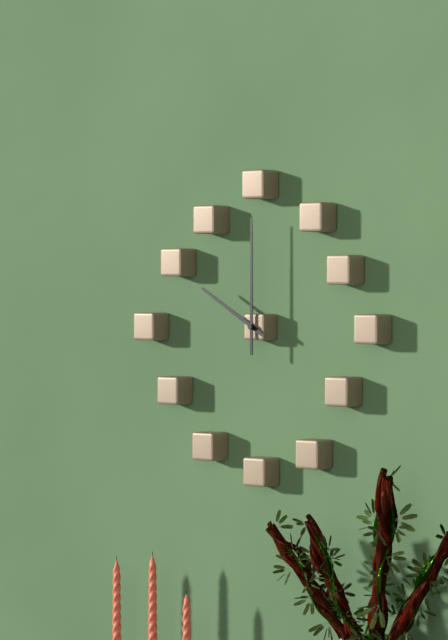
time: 10:00
